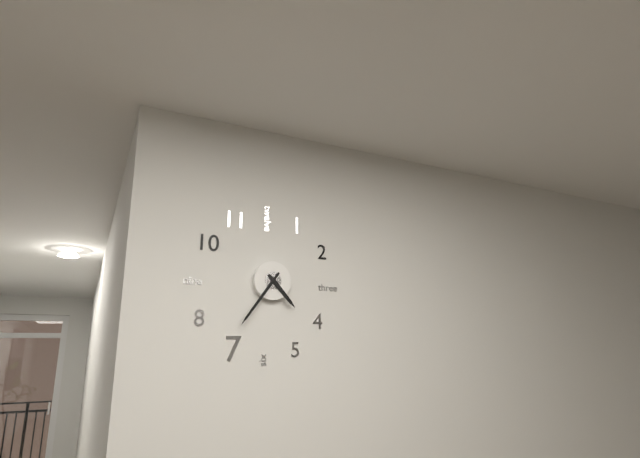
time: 4:36
